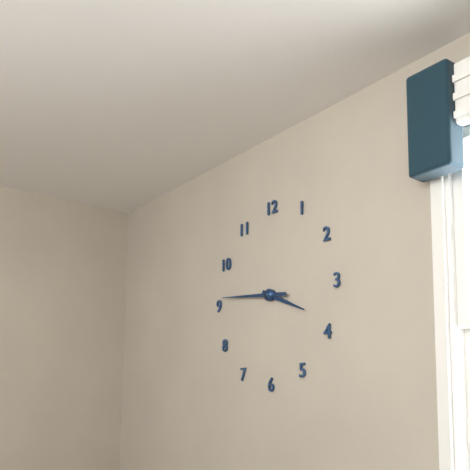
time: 3:46
